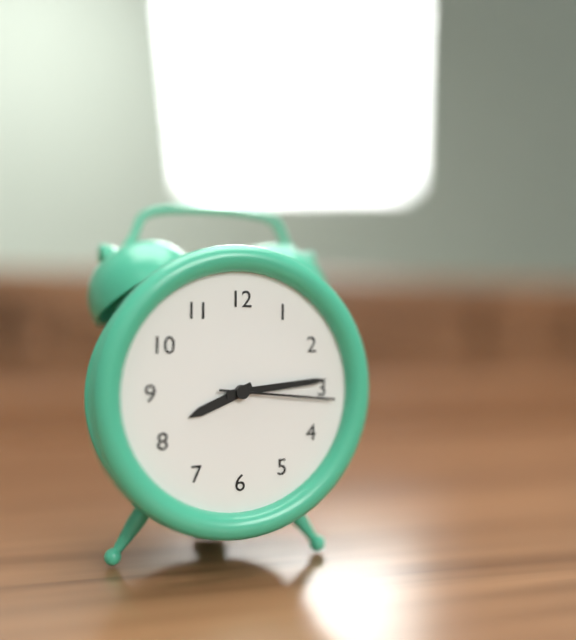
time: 8:14:16
